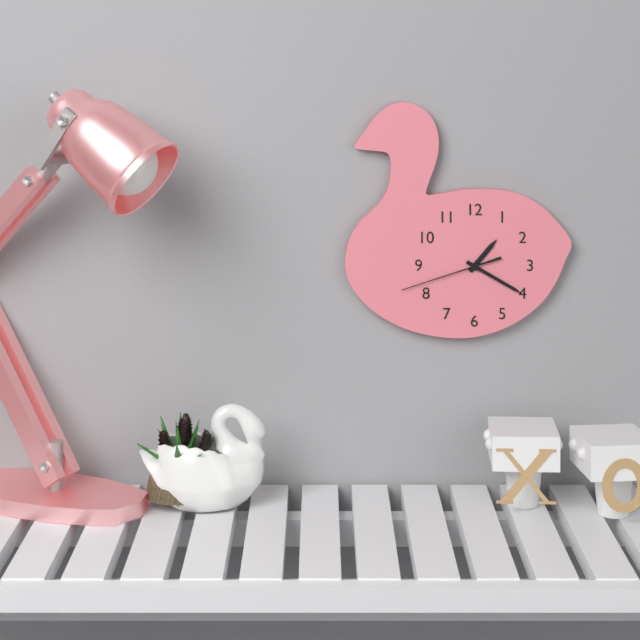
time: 1:20:42
